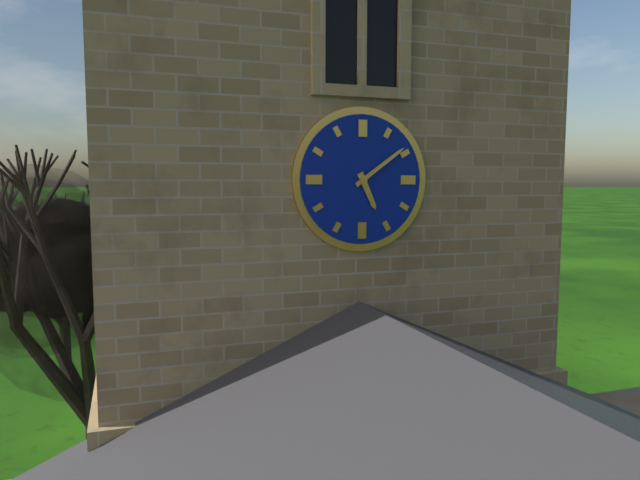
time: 5:09
